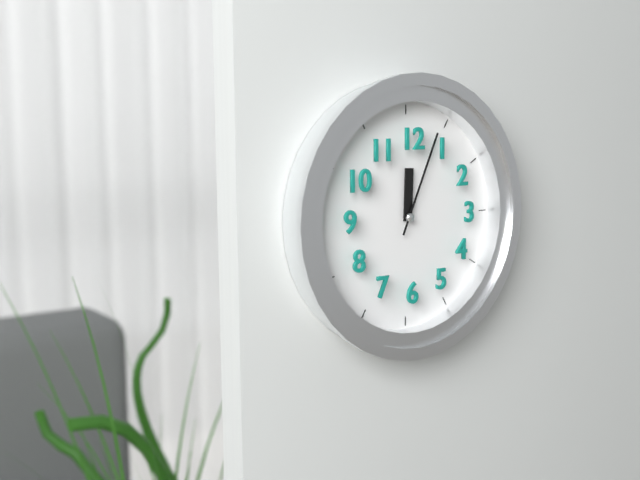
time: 12:04
